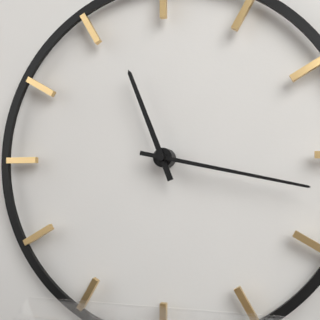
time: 11:17
